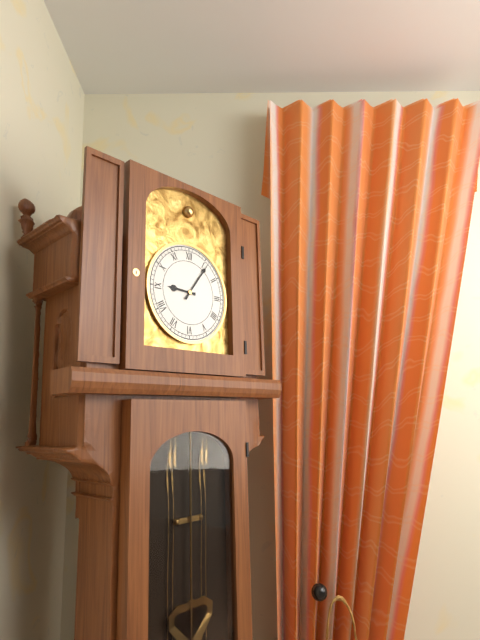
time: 9:06
